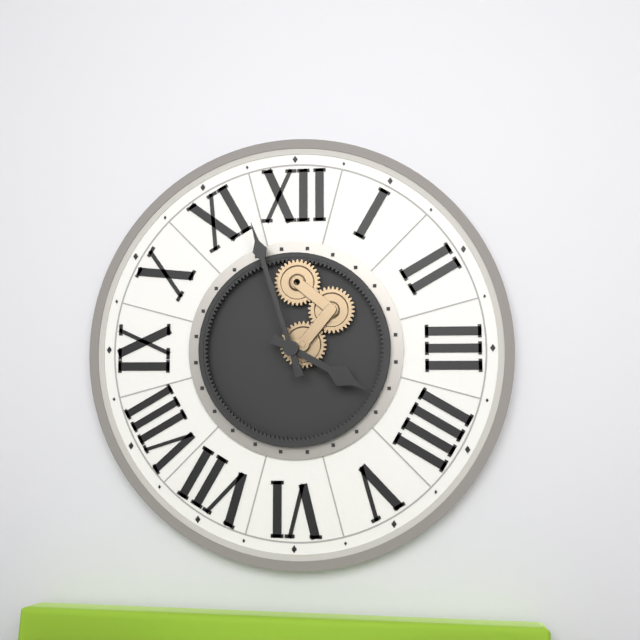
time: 3:57
